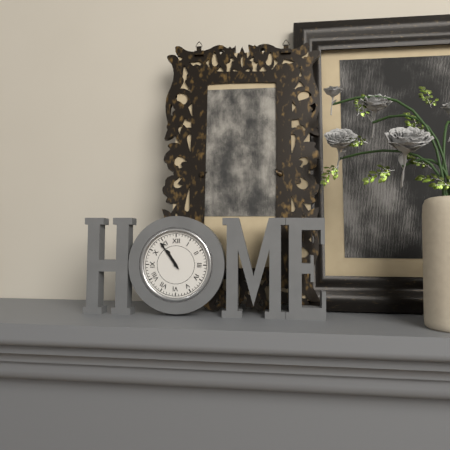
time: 10:54
